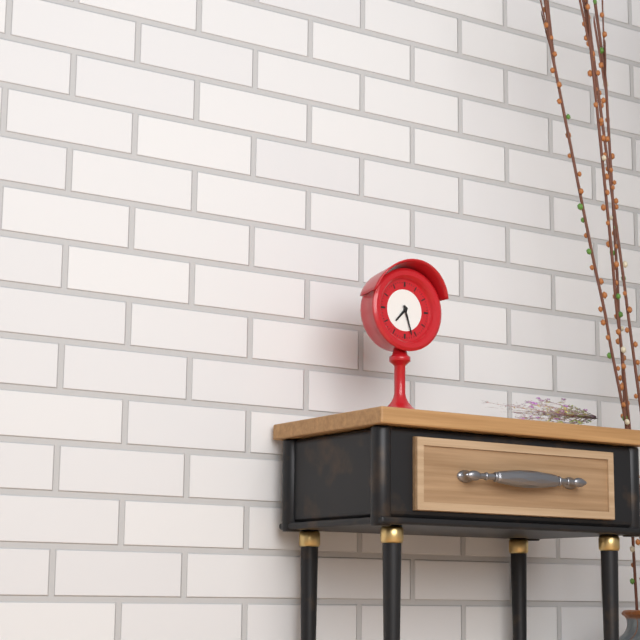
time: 7:27
